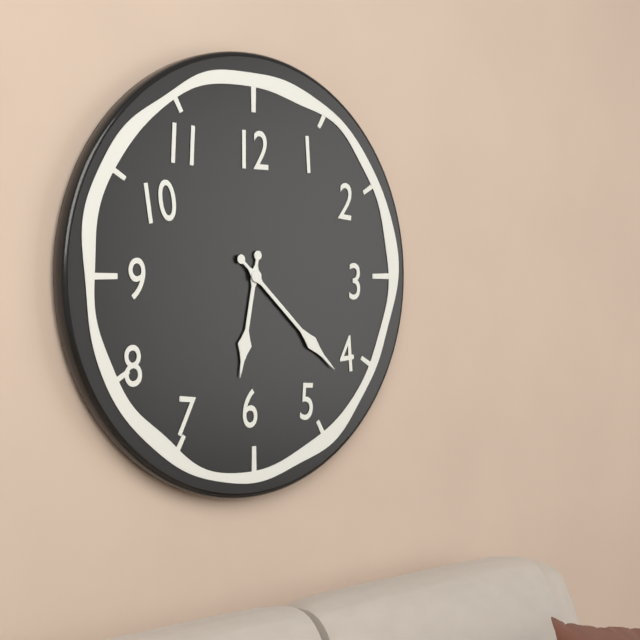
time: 6:22
